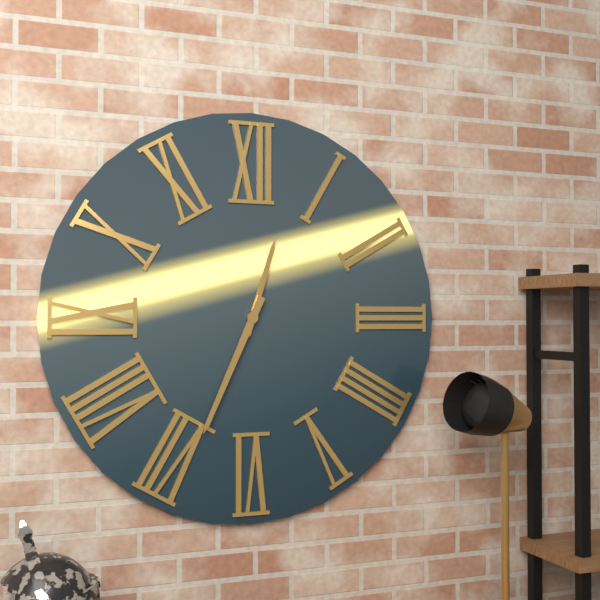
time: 12:34
